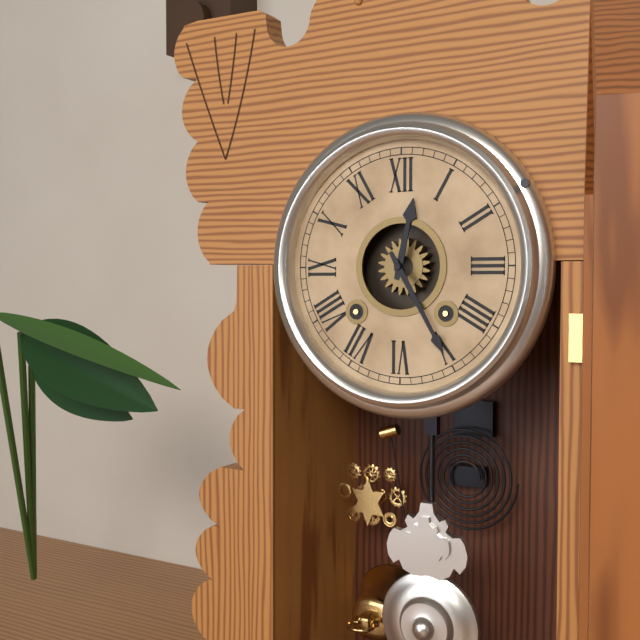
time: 12:25
